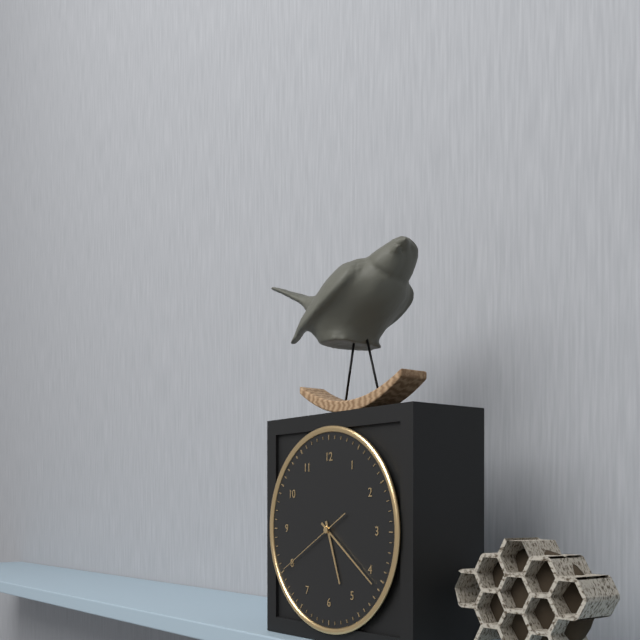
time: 5:21:40
